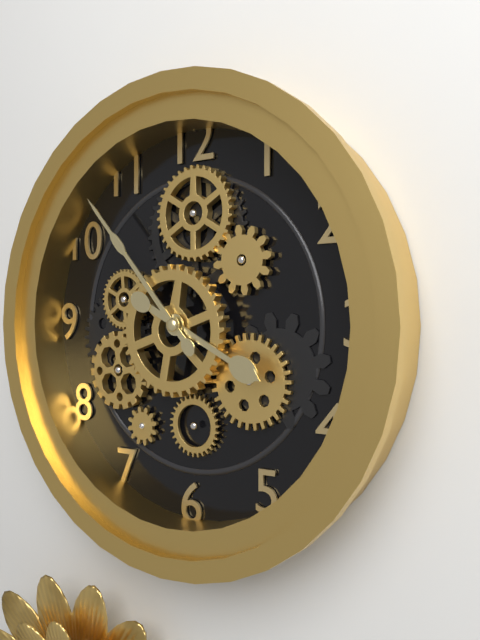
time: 3:53
